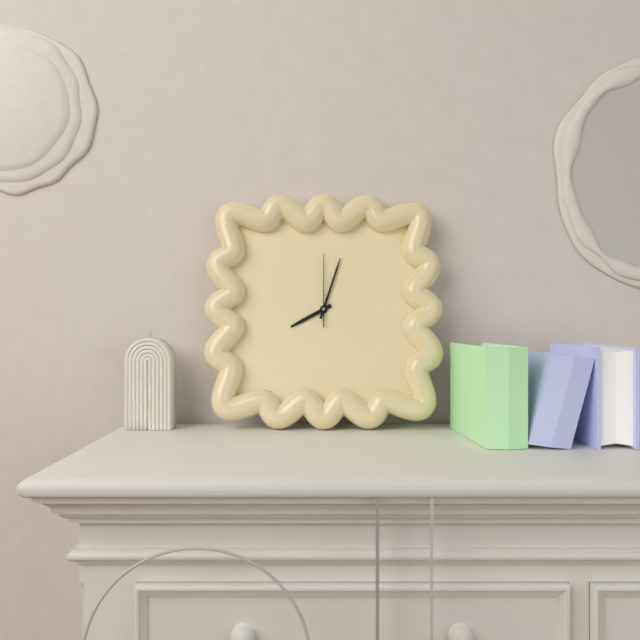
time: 8:03:00
